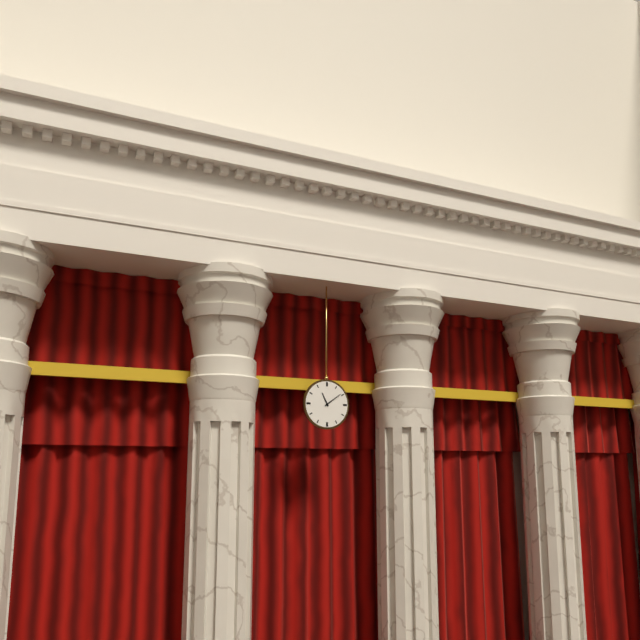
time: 11:09
